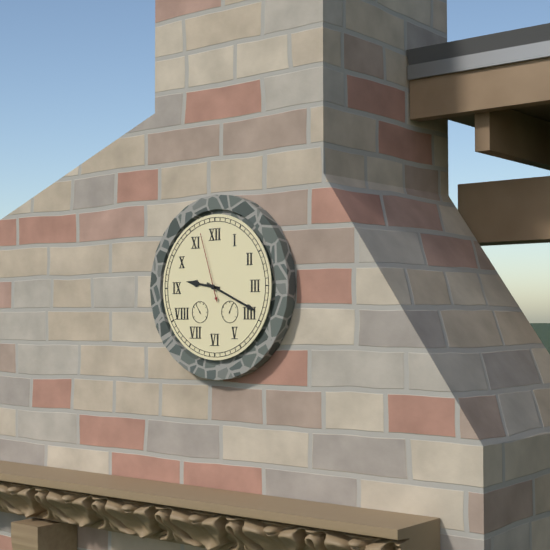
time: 9:19:57
